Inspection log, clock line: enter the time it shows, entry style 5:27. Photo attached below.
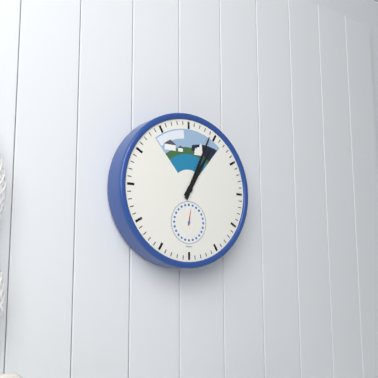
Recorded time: 1:04
